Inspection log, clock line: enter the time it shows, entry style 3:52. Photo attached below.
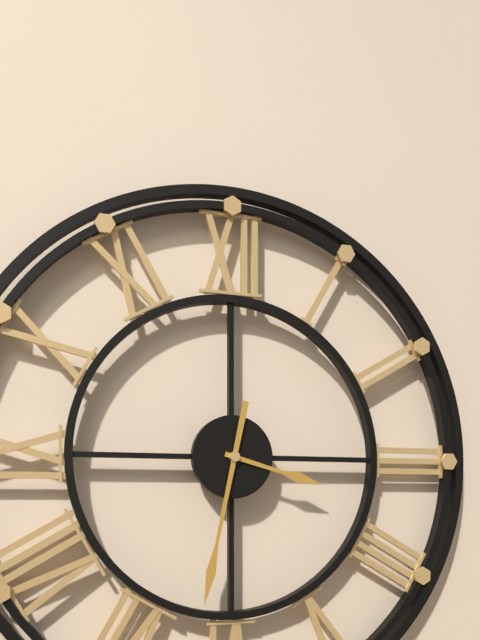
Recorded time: 3:32
